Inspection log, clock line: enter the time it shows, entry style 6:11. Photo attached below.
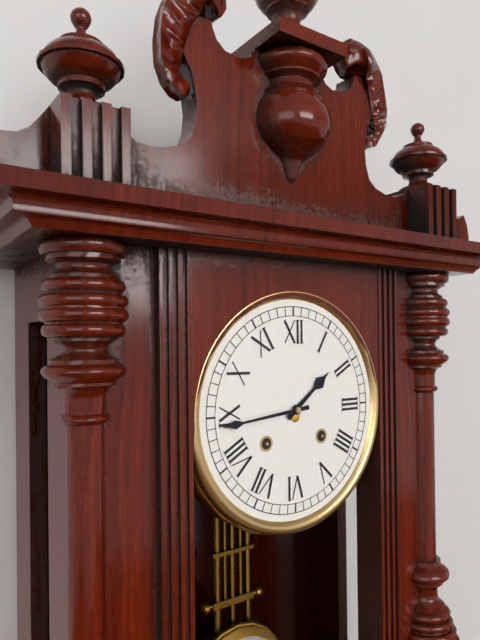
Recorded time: 1:44
